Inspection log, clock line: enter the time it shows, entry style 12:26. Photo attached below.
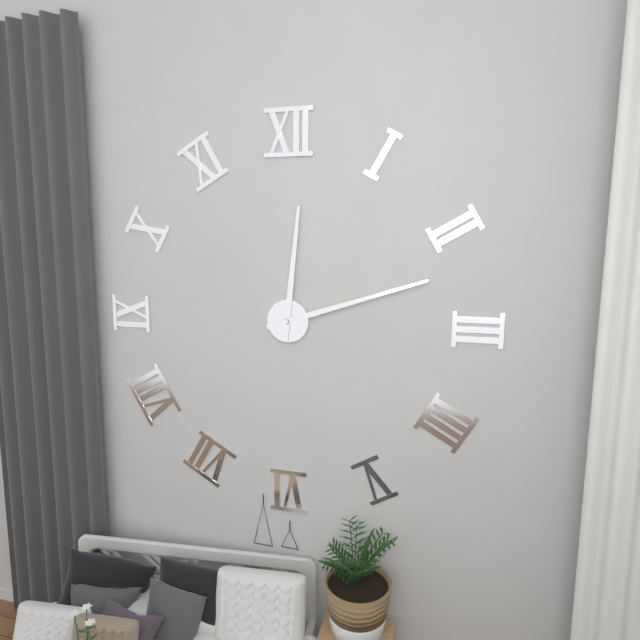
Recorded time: 12:12
